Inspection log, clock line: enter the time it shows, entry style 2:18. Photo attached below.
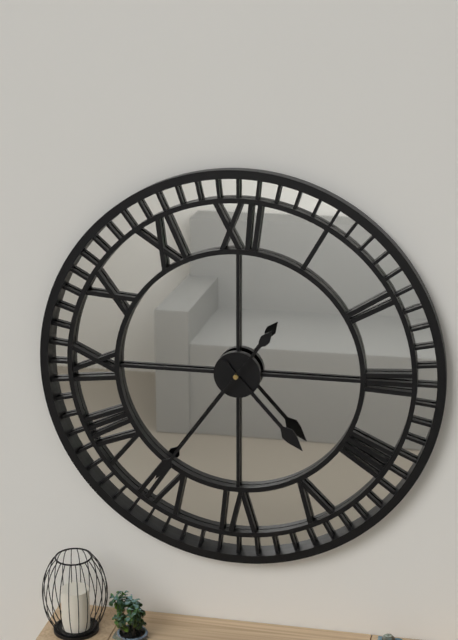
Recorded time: 4:36
